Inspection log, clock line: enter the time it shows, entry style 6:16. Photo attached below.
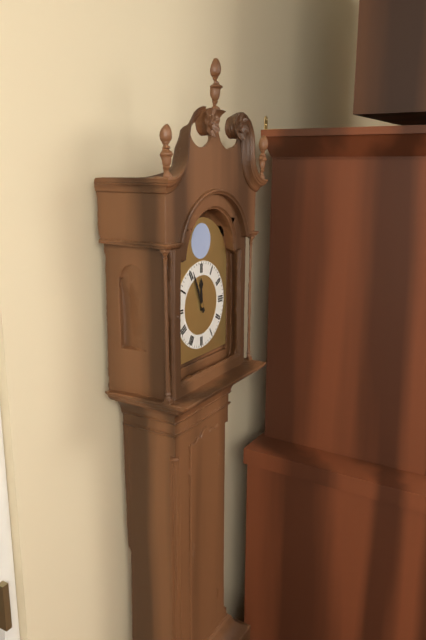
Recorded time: 11:56
